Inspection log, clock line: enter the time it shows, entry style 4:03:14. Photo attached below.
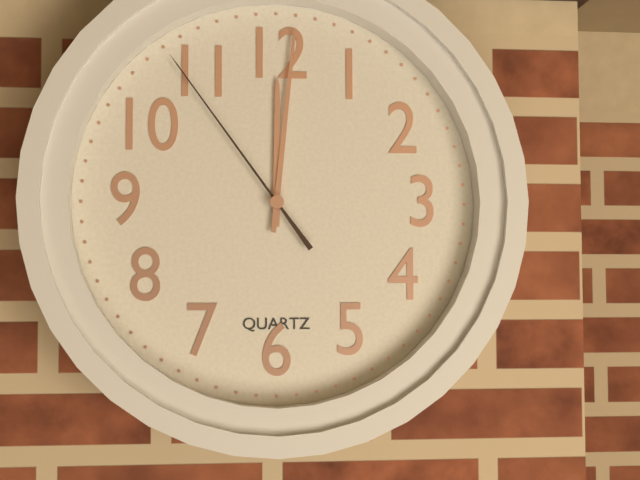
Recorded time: 12:01:54
